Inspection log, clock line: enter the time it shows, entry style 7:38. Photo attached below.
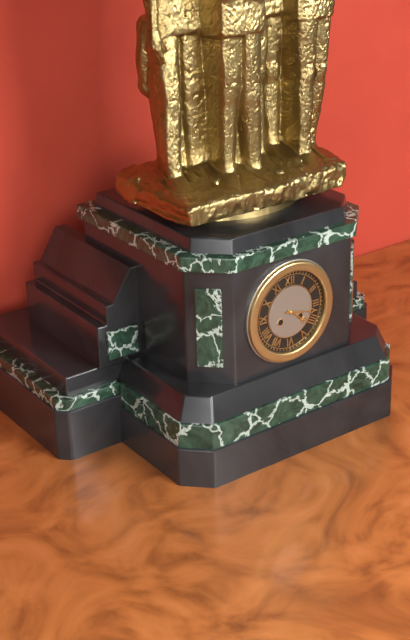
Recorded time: 4:17
